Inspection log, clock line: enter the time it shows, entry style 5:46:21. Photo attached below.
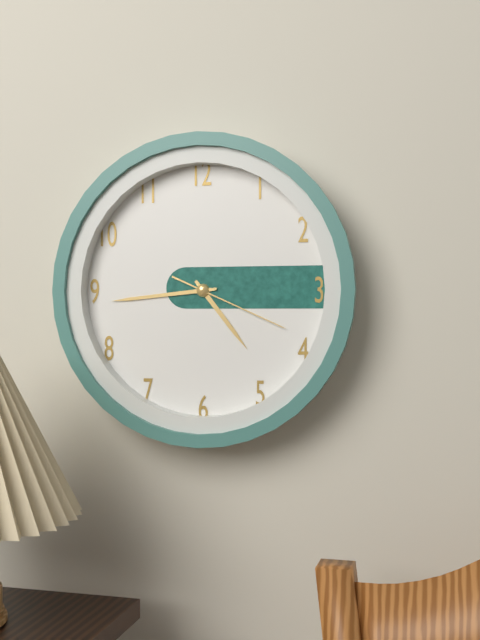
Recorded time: 4:44:19
